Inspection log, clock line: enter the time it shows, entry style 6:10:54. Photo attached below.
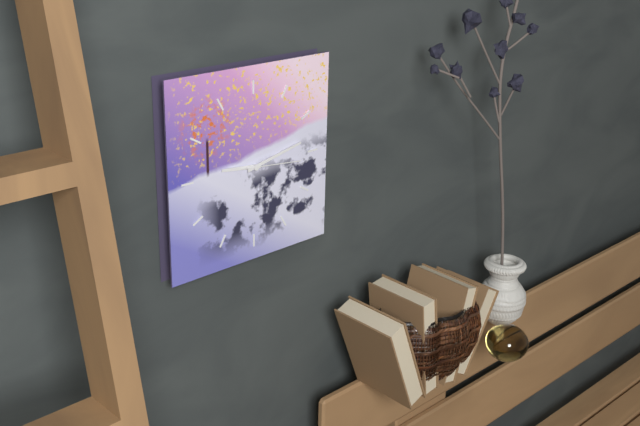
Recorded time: 9:13:16
